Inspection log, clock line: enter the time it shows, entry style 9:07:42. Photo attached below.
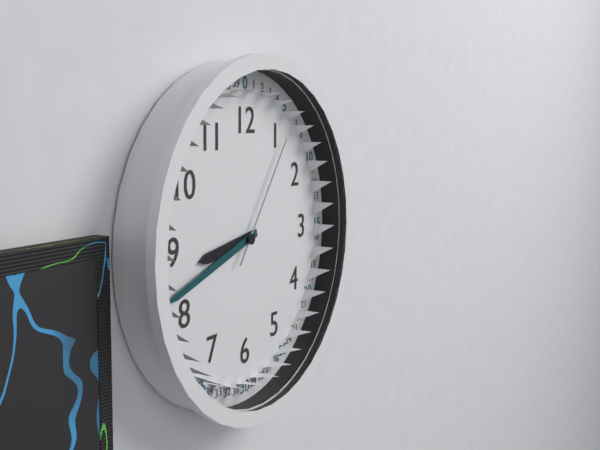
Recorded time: 8:42:06
